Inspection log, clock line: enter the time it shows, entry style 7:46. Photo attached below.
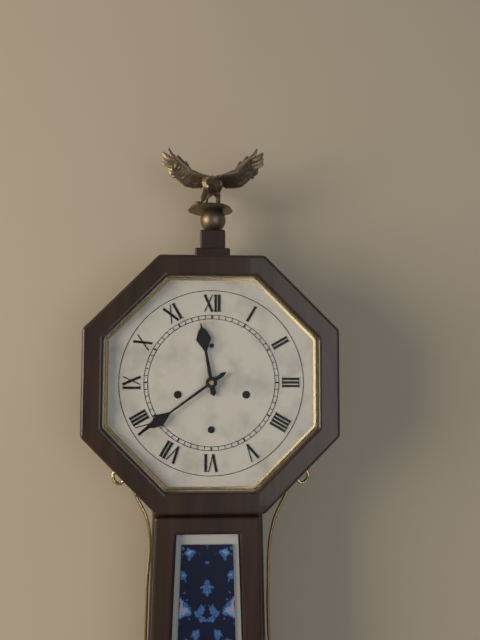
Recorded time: 11:39
